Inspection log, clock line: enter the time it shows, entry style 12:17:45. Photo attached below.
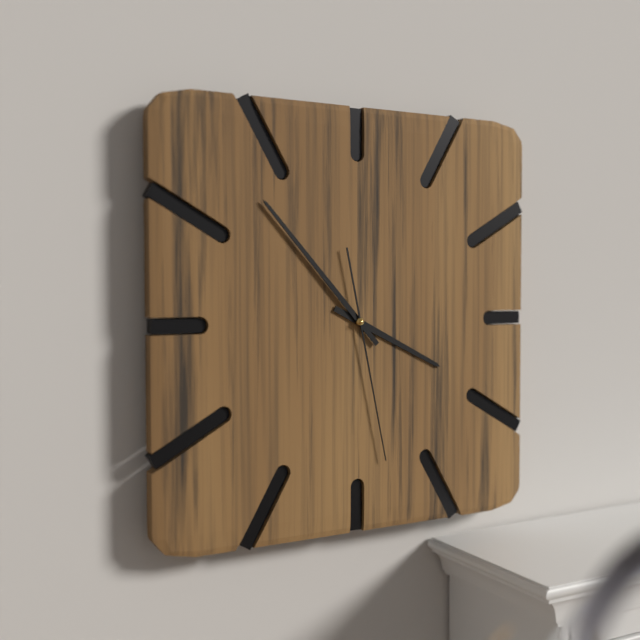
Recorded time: 3:53:28
